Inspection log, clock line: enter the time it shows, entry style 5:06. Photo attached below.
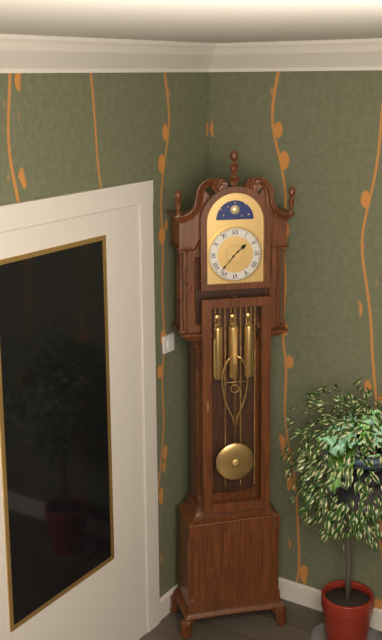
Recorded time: 1:37
